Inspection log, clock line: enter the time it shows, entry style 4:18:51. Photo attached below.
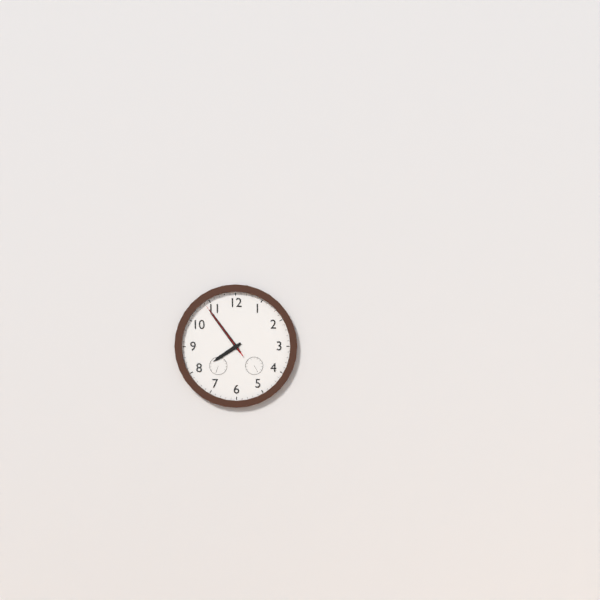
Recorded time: 7:54:54
